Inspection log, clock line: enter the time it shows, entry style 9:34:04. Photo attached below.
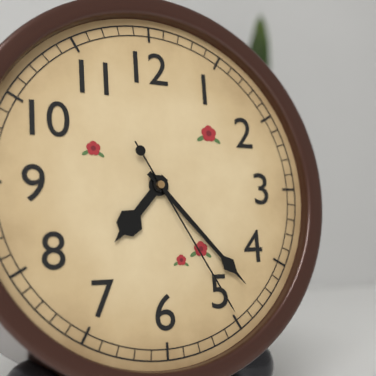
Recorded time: 7:23:25
